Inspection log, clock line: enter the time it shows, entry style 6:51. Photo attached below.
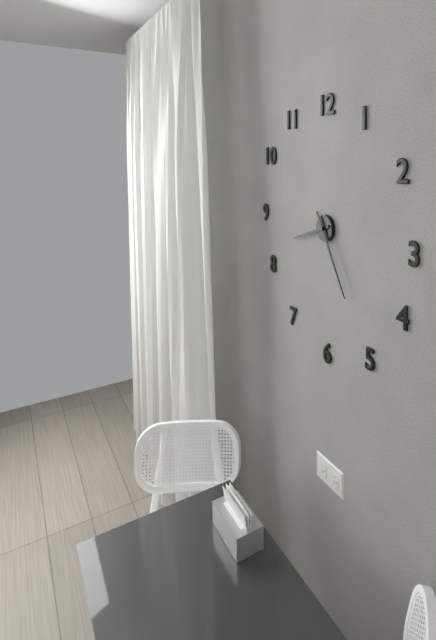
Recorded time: 8:25
